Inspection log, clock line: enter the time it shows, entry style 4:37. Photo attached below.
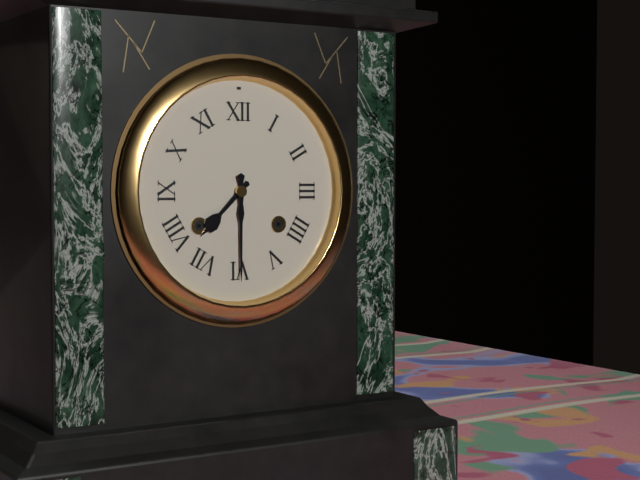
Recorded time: 7:30
